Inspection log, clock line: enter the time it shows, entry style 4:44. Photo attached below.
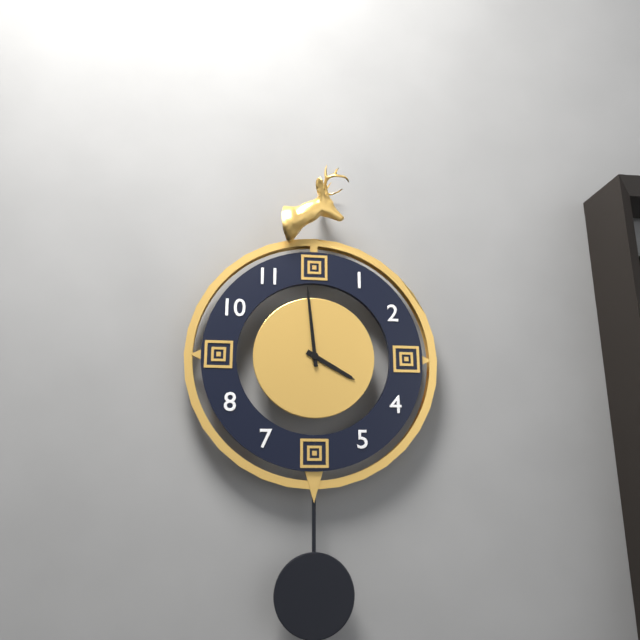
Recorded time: 3:59
